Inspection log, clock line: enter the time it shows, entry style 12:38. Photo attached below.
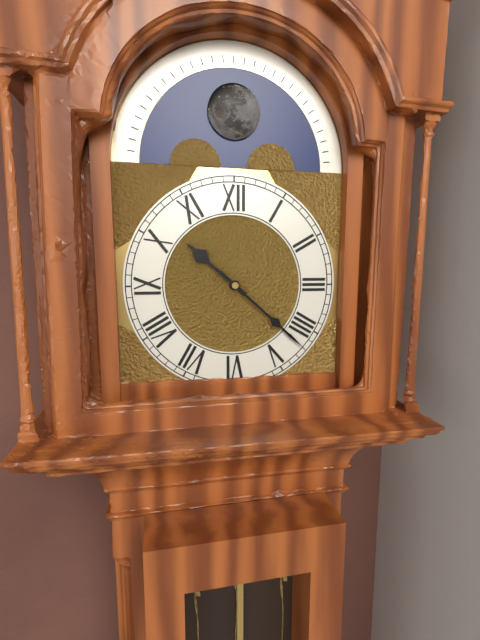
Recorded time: 10:22
